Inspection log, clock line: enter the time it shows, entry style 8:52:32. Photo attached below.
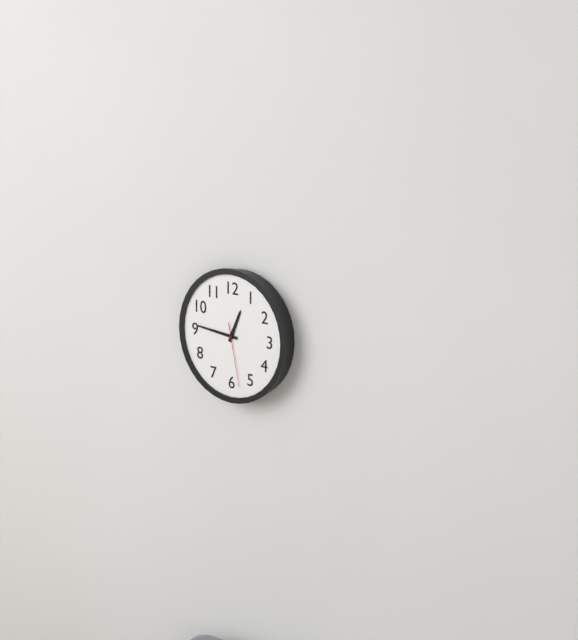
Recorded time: 12:46:28
